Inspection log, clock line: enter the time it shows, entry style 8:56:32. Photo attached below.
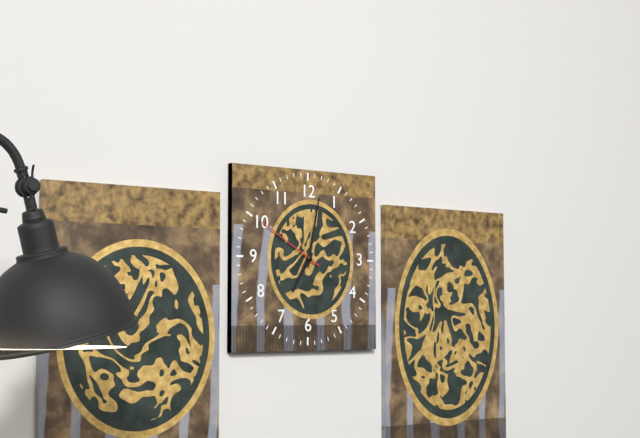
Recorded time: 7:02:50
